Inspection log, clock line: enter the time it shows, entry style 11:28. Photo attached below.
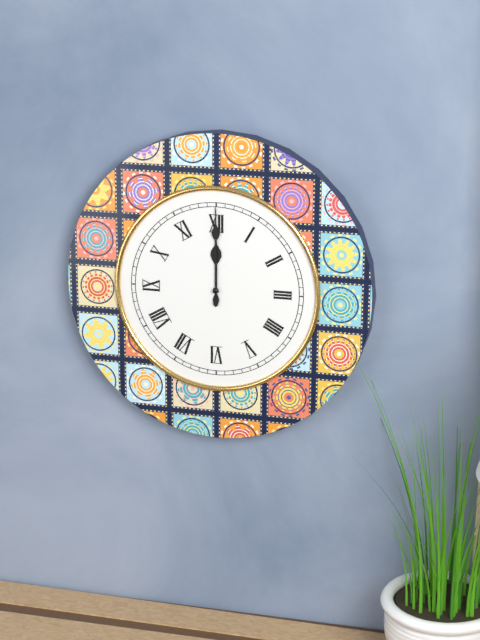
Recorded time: 12:00
